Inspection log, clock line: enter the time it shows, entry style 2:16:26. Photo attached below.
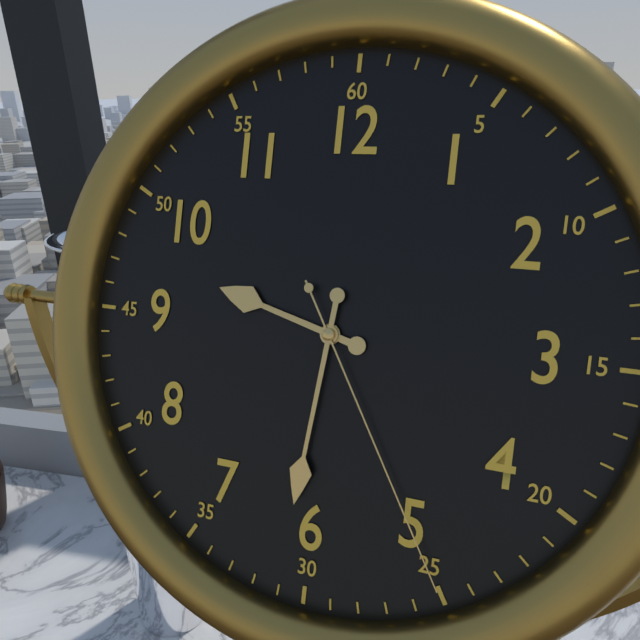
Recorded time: 9:31:25
